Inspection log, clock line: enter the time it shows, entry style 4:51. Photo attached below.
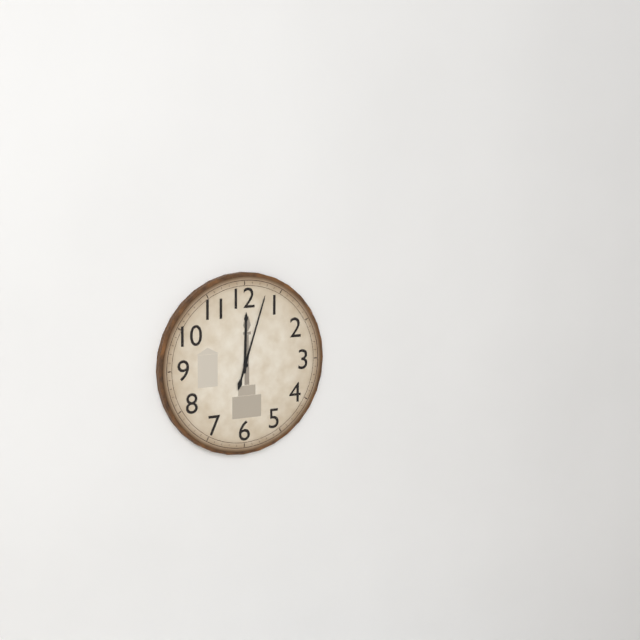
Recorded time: 12:03
